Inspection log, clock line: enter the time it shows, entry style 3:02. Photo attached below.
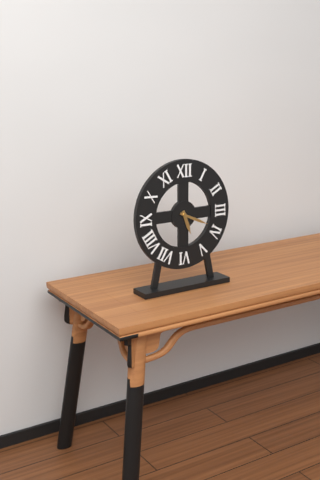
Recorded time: 5:19
